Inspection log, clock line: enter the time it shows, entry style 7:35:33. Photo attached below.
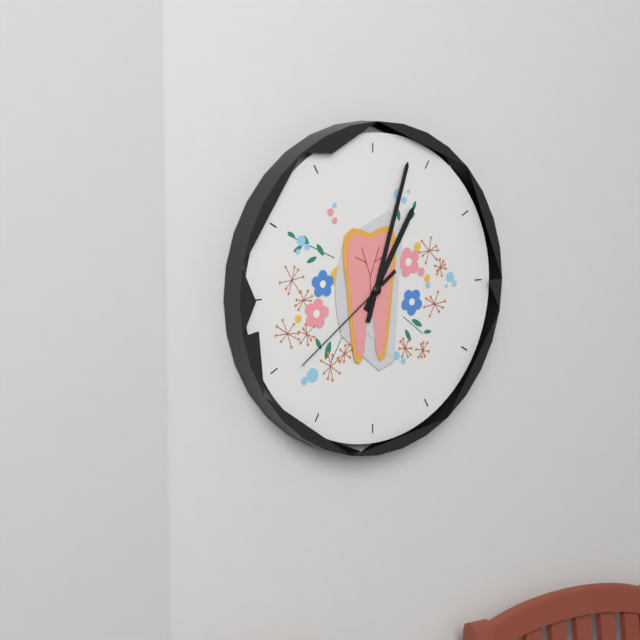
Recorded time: 1:03:39
